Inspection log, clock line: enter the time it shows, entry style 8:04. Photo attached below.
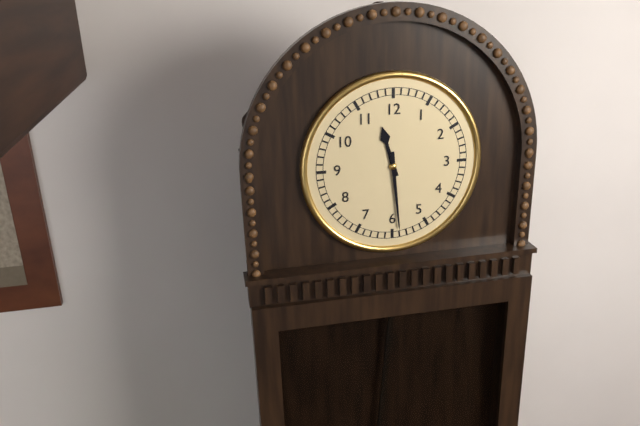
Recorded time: 11:29
